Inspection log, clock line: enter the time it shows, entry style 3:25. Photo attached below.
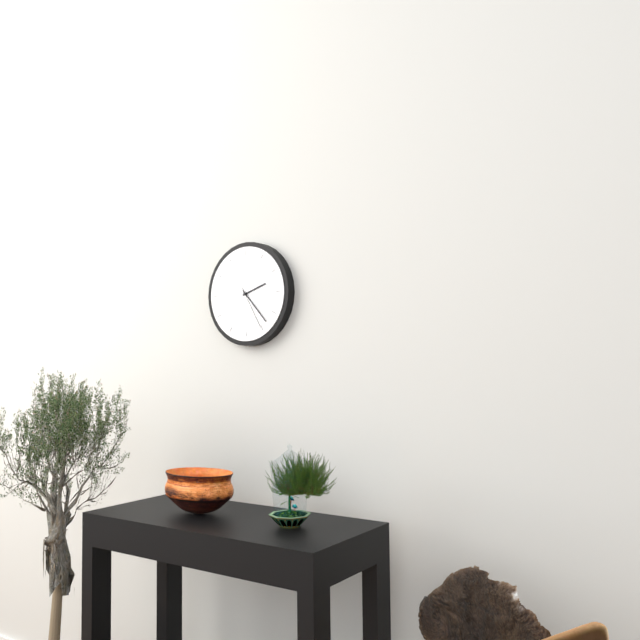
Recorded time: 2:23
